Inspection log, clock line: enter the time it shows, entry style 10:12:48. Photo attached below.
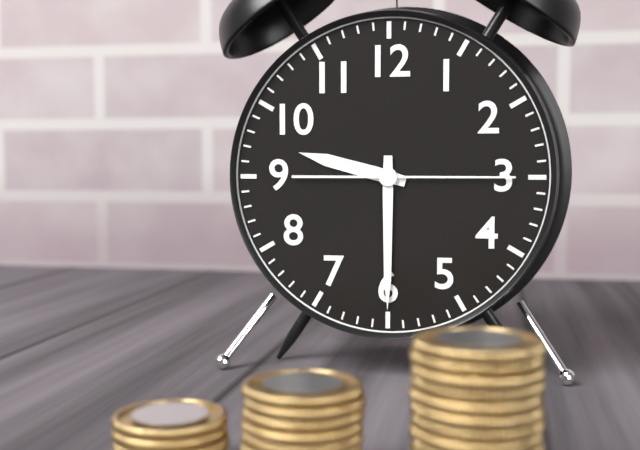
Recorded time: 9:30:15
